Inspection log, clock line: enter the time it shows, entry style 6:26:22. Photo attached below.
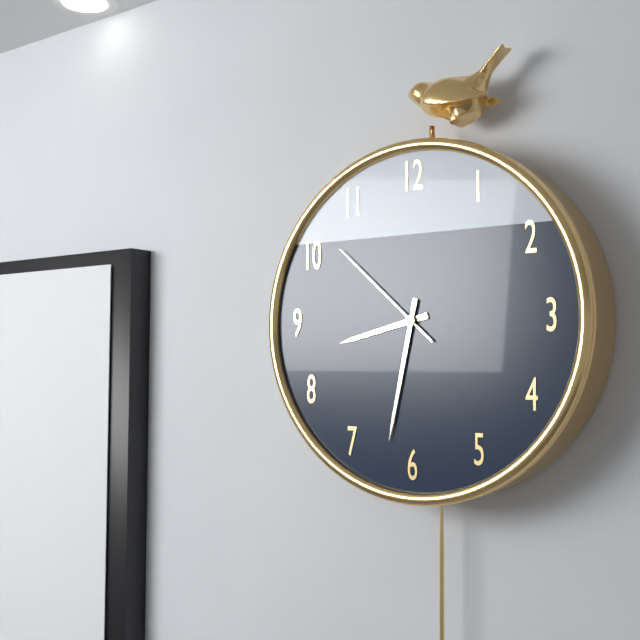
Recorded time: 8:32:52
